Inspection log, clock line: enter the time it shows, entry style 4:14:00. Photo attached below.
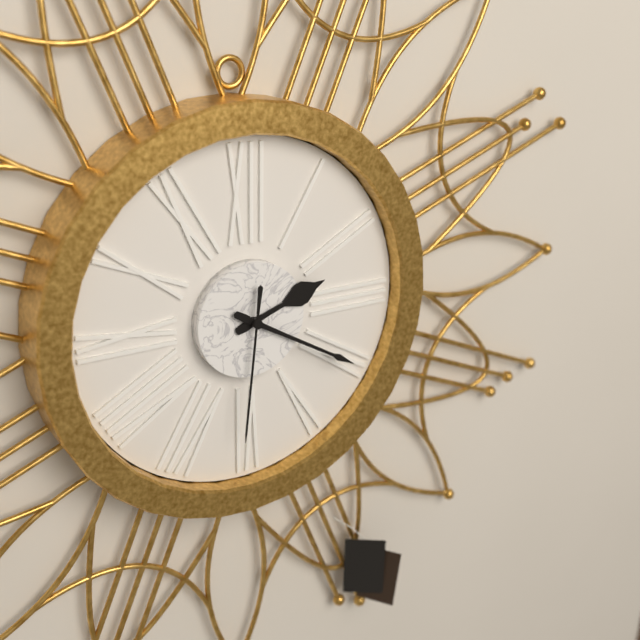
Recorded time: 2:20:31
